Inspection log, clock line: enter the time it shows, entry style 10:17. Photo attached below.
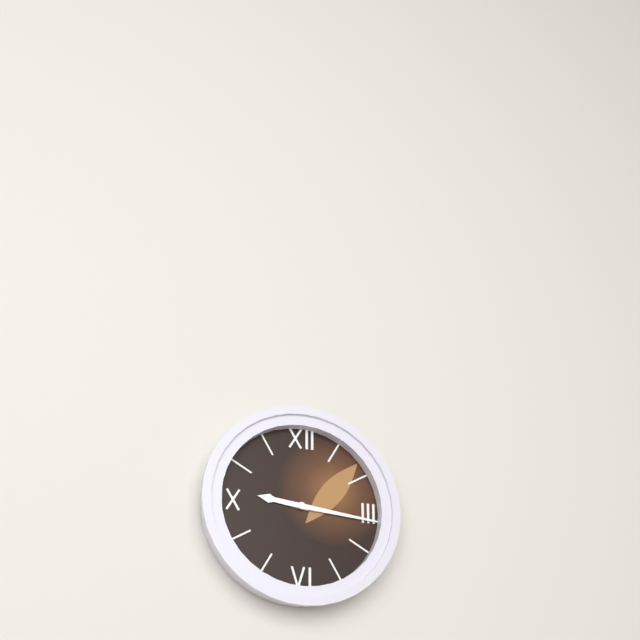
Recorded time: 9:16
